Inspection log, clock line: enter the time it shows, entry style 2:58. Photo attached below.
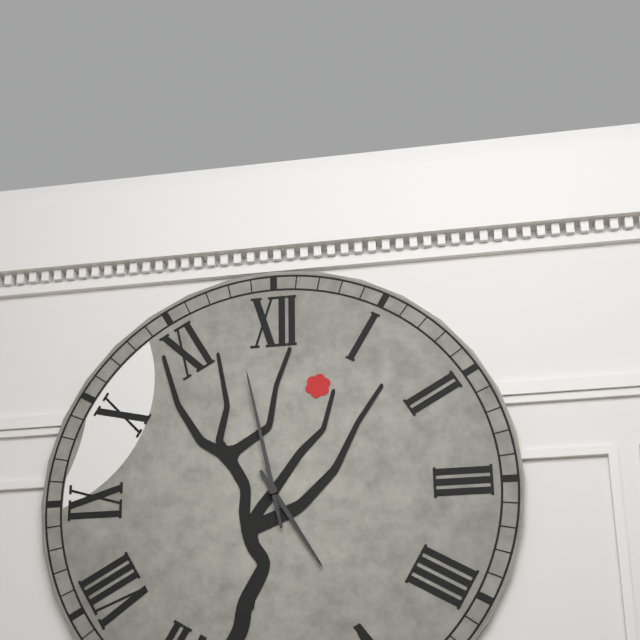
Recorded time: 4:58
